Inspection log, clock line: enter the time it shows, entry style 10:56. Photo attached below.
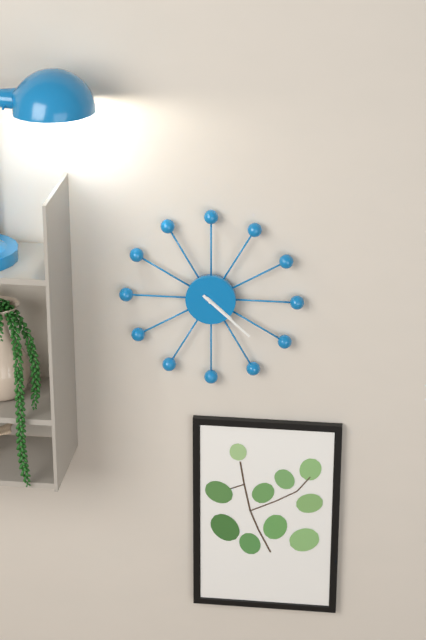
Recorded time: 4:22
